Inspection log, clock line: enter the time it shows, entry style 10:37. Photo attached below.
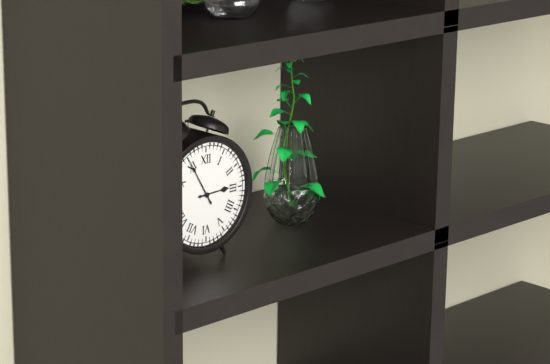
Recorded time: 2:55
